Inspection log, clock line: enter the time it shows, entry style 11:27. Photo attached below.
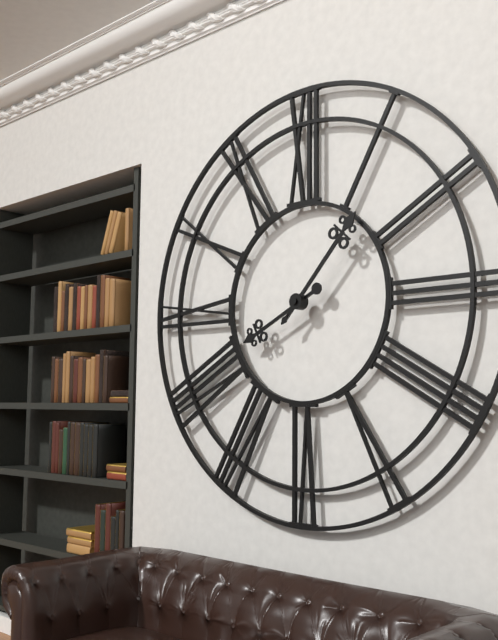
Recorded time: 8:07
